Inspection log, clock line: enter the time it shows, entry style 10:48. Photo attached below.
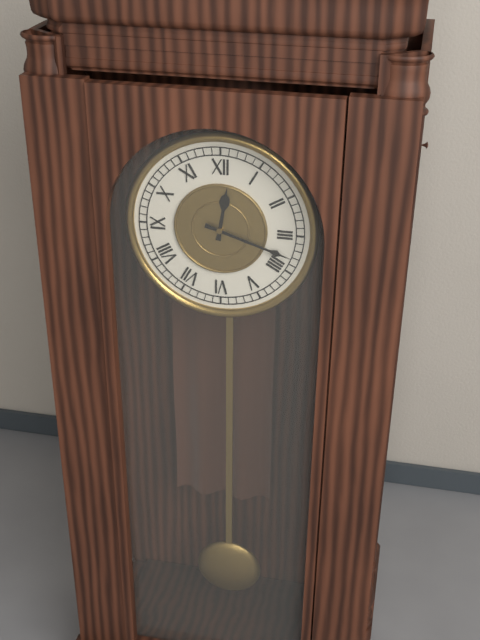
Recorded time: 12:18
